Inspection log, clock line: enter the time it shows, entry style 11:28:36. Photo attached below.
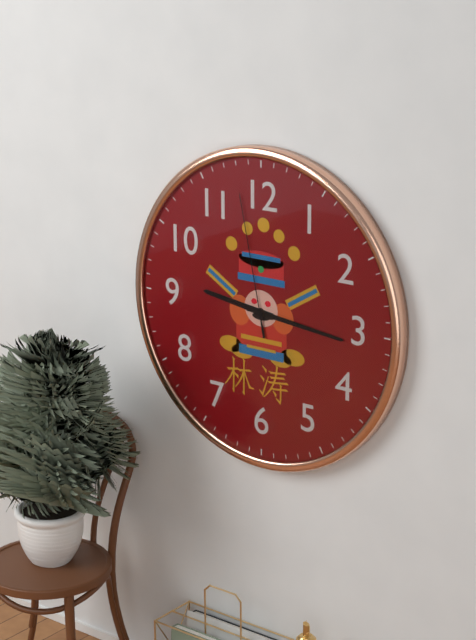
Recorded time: 9:16:58
